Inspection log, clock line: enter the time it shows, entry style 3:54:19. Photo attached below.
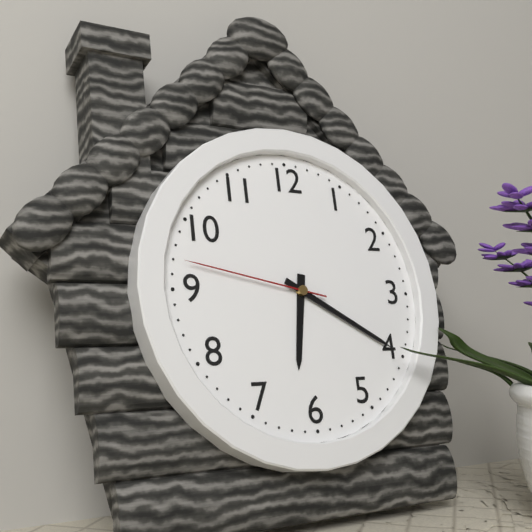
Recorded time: 6:20:47
